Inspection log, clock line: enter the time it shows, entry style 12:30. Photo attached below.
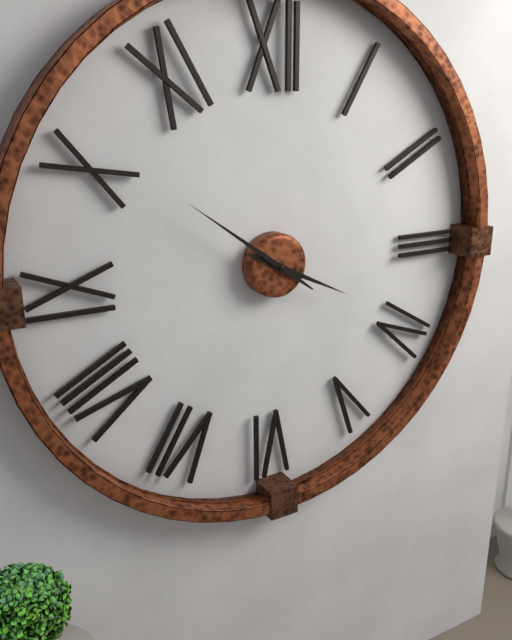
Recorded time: 3:51
